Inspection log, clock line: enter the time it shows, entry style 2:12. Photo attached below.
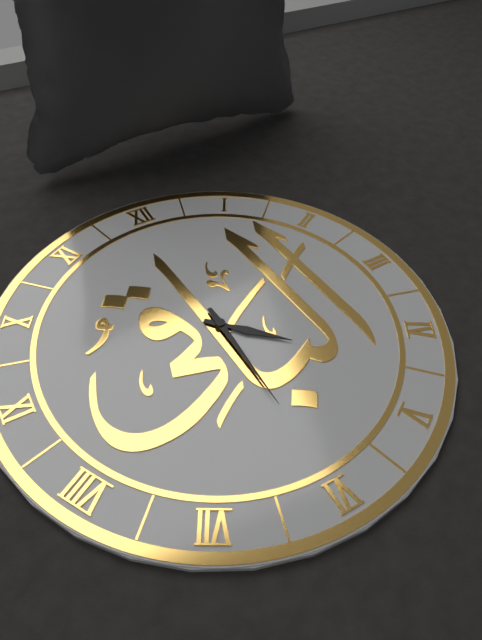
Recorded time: 4:30
